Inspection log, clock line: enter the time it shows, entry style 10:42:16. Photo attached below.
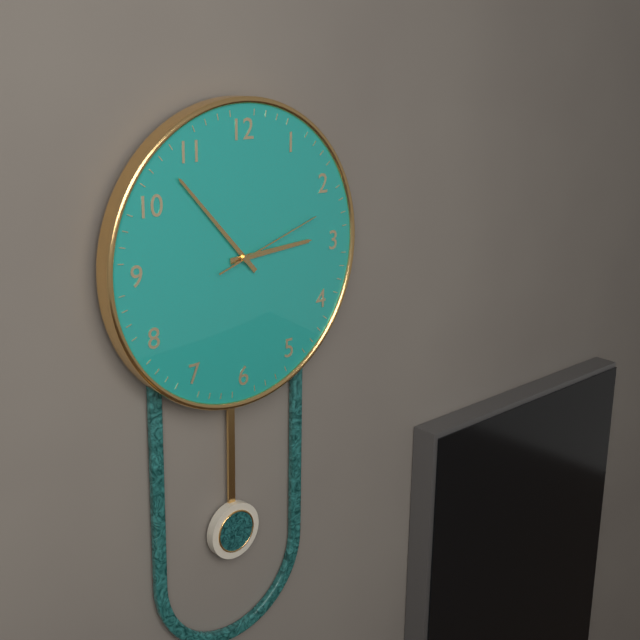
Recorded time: 2:53:12
